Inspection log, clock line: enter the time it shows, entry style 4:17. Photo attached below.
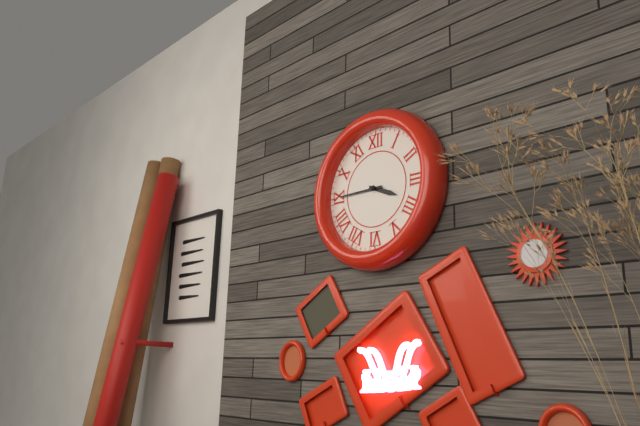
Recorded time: 3:45
